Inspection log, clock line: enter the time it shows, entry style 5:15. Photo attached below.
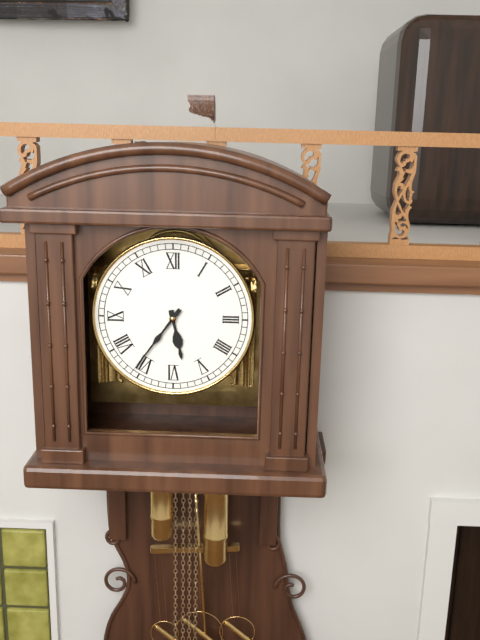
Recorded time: 5:36
